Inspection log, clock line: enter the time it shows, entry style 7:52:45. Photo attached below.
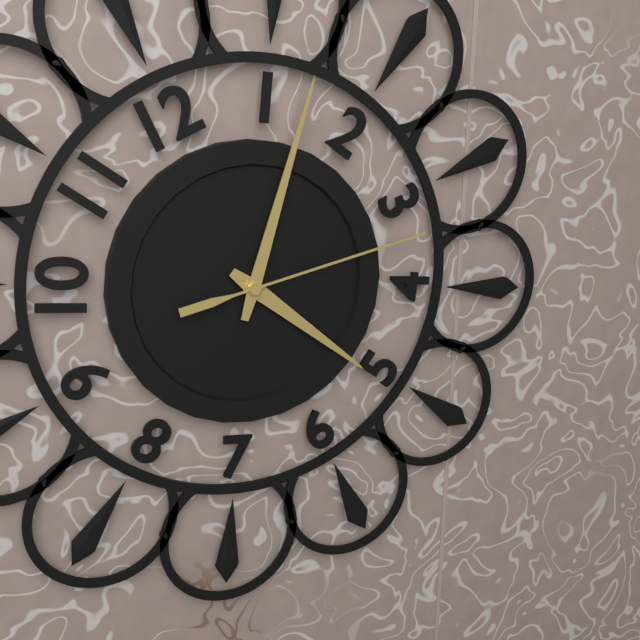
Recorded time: 5:07:17
